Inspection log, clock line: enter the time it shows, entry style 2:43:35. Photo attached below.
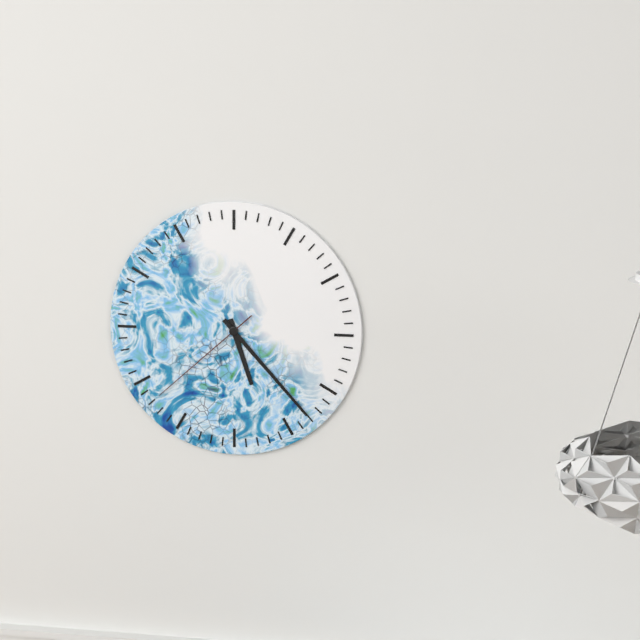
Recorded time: 5:23:38
